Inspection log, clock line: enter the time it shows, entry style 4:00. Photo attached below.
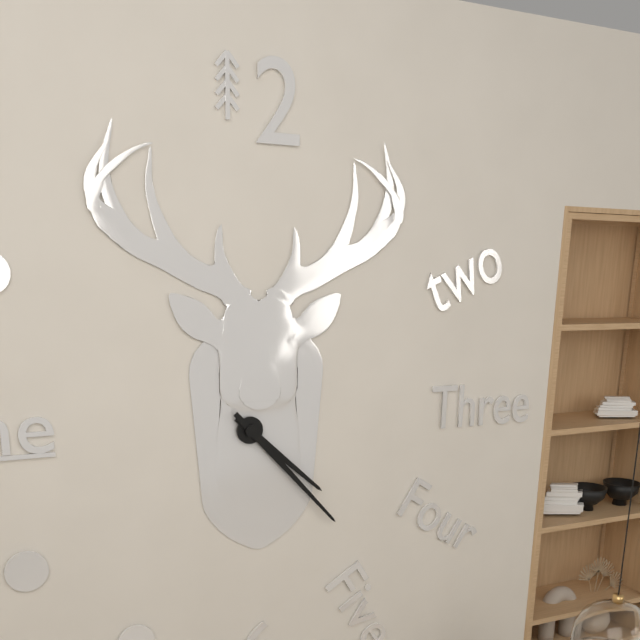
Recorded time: 4:23
